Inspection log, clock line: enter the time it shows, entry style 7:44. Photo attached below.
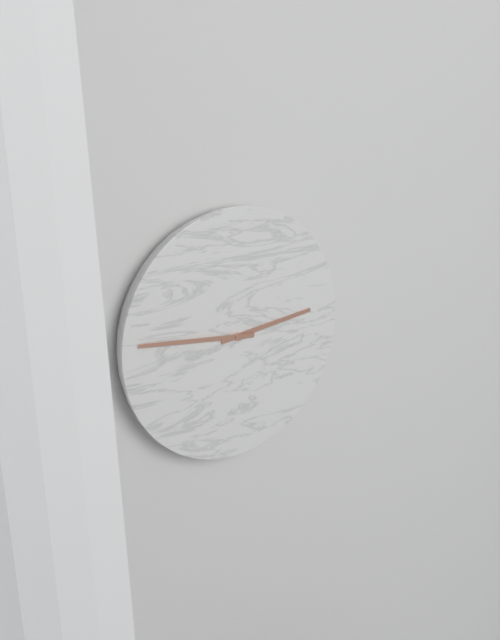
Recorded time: 2:46
